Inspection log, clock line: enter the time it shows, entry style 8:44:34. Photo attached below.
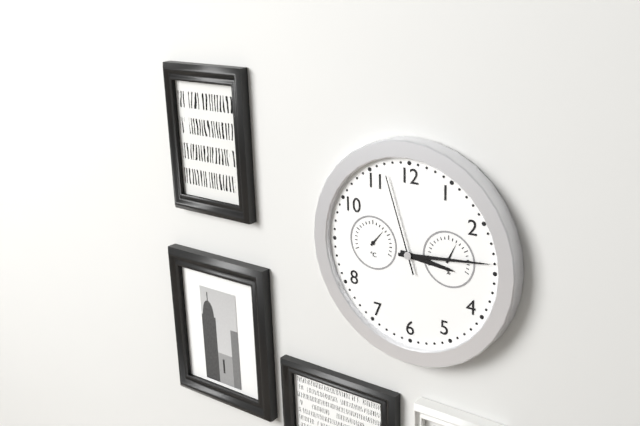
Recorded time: 3:14:57
